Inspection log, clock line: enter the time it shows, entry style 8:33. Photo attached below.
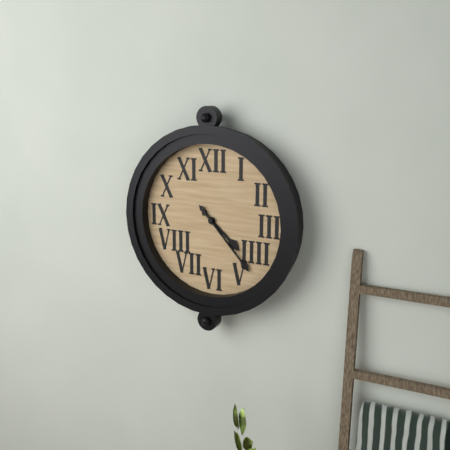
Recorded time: 4:23
